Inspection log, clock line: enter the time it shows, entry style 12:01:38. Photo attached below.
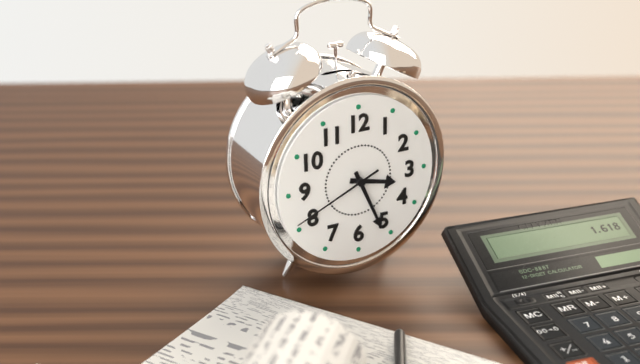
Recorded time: 3:26:41
